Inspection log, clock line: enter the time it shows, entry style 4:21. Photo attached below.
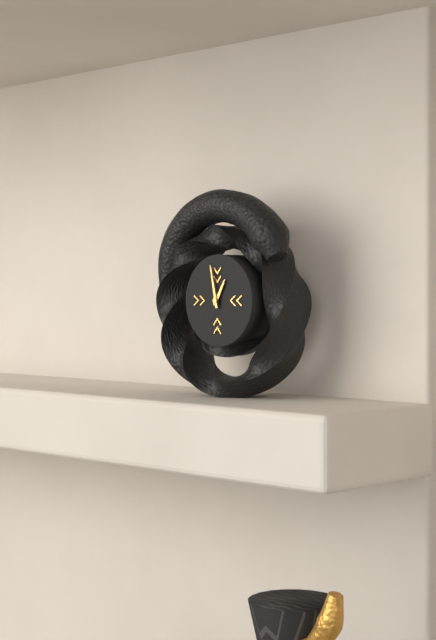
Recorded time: 12:58
